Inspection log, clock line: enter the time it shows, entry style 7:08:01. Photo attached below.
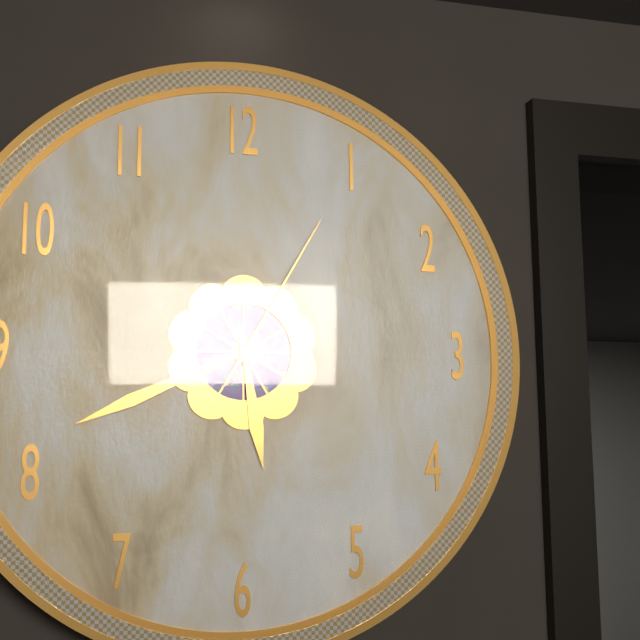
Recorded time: 5:41:05
